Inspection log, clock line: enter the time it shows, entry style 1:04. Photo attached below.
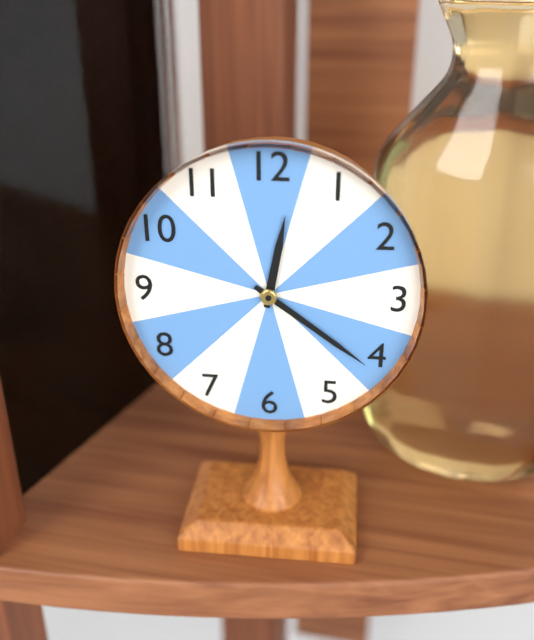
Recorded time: 12:21
